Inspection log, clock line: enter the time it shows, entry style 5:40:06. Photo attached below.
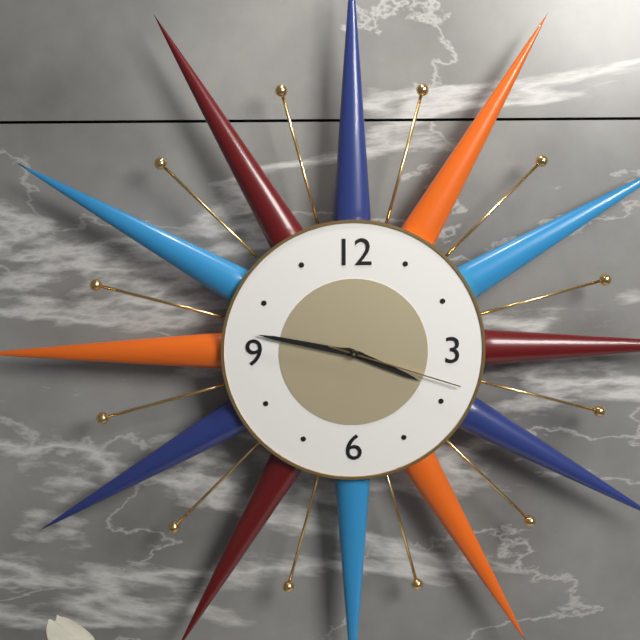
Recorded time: 3:47:18
